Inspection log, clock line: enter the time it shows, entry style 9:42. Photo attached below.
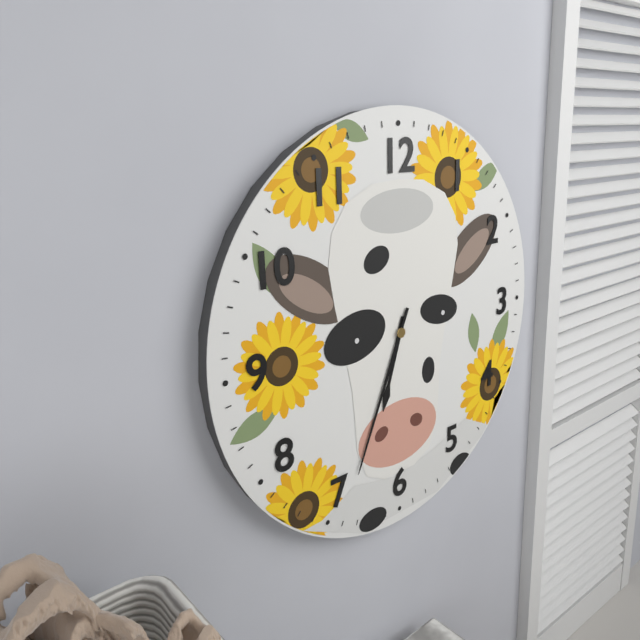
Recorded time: 6:34
